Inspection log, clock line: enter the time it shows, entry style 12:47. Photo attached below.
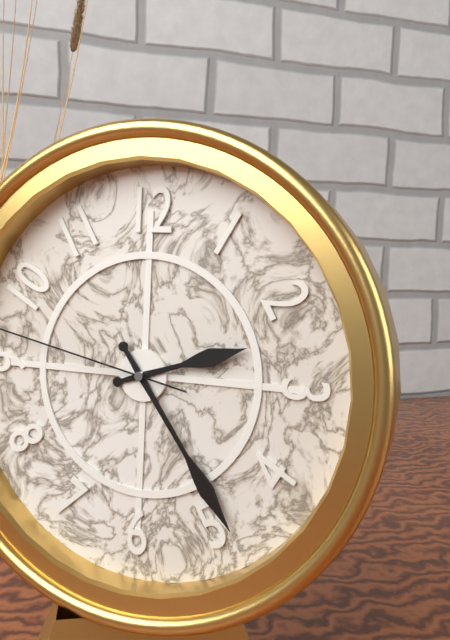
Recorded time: 2:24
